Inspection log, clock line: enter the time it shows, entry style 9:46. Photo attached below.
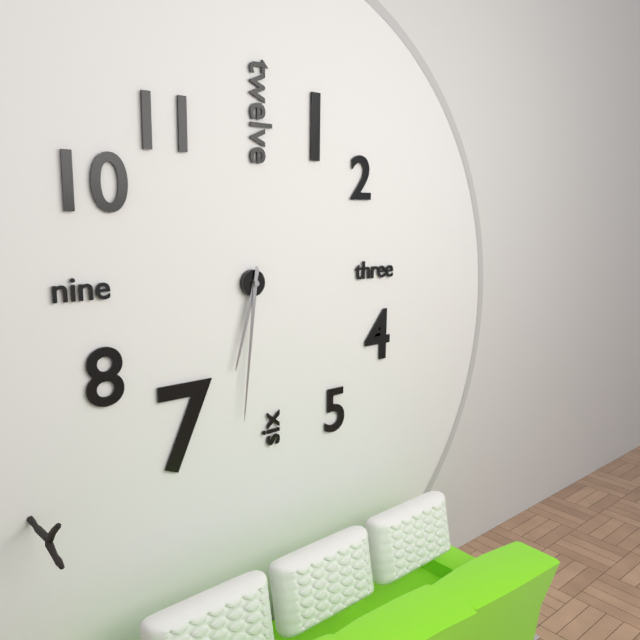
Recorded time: 6:31
